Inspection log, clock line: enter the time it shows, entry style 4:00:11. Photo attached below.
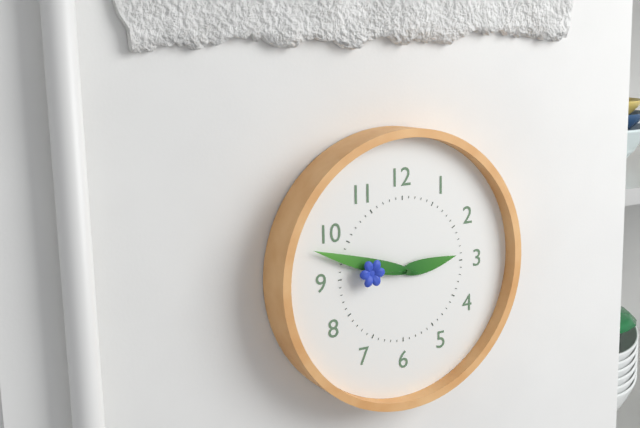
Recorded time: 2:48:46
